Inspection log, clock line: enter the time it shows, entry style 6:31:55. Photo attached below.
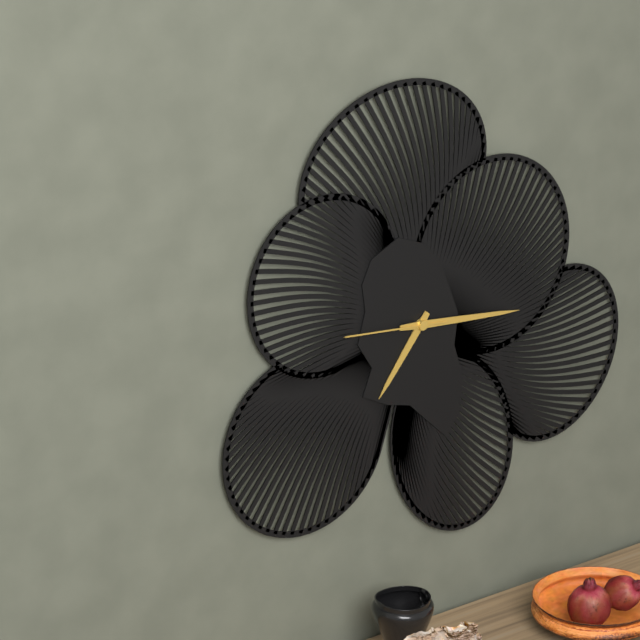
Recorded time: 7:16:46
